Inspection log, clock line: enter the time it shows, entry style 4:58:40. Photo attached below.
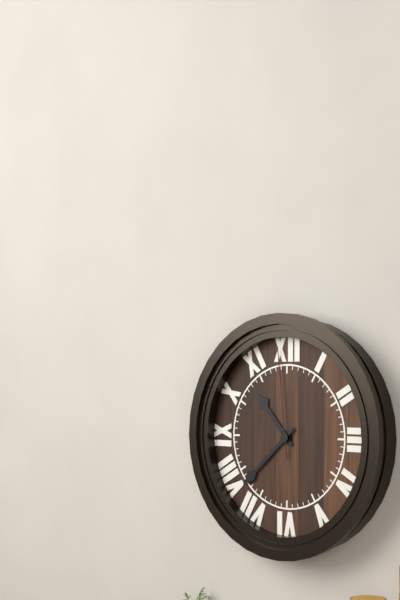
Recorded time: 10:38:59
